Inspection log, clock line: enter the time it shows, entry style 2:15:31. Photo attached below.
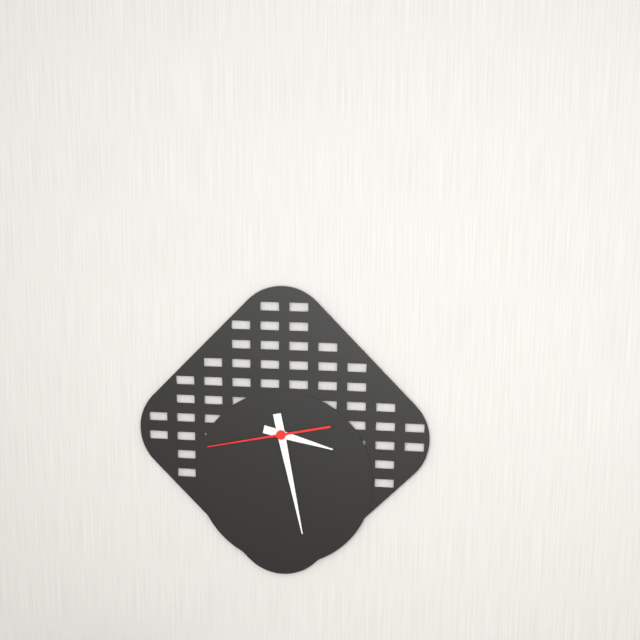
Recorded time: 3:28:43
